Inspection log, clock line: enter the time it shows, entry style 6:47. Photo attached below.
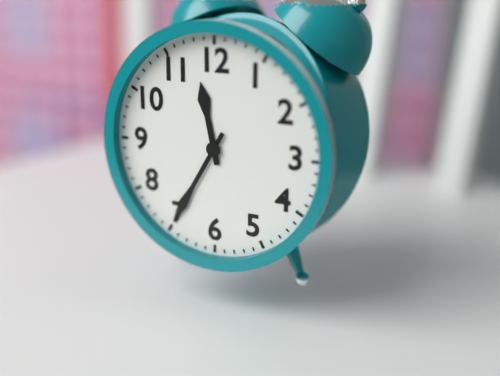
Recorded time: 11:35
